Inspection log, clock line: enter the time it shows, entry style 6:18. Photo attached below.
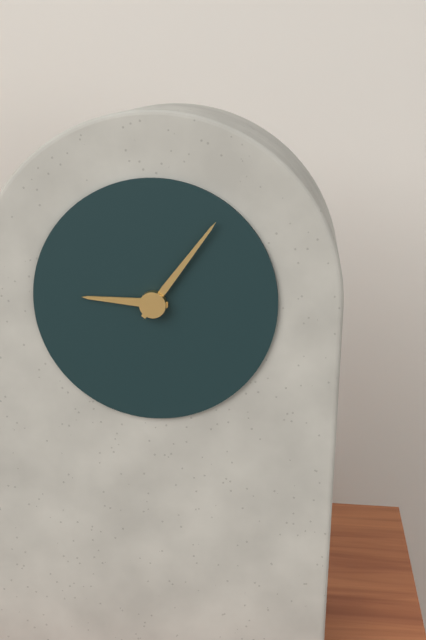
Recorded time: 9:06
